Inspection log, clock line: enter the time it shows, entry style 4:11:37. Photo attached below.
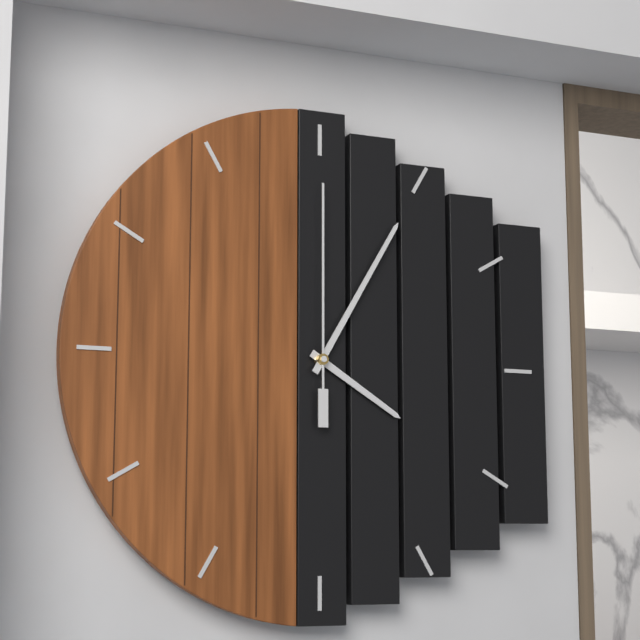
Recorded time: 4:05:00
